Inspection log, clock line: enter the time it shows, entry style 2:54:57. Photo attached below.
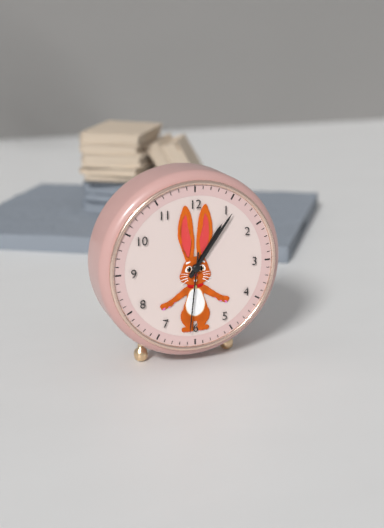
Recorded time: 1:06:31
